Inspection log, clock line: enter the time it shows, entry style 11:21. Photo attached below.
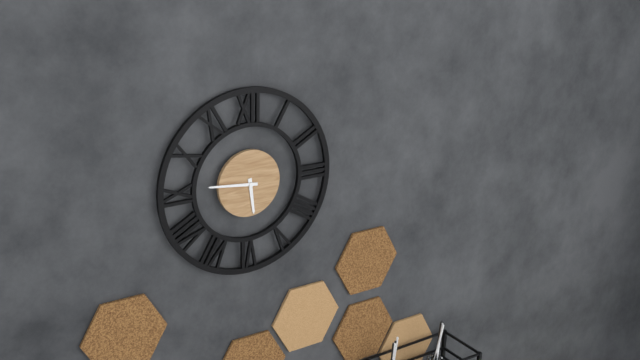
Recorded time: 5:46
